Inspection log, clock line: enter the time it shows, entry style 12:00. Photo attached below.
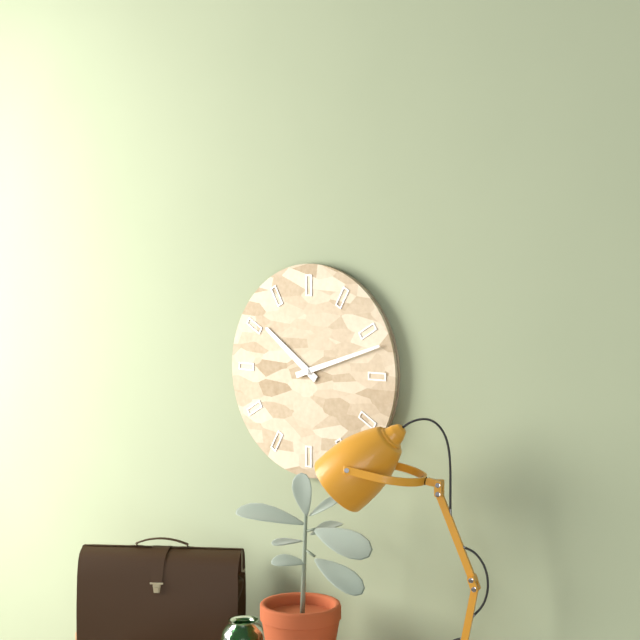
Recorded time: 10:12
